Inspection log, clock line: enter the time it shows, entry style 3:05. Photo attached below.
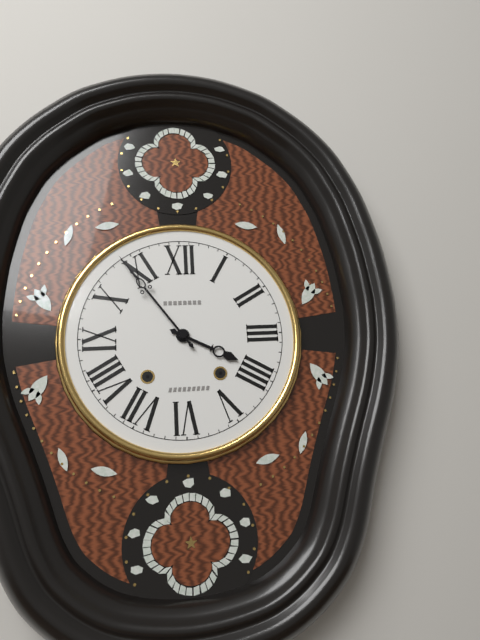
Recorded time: 3:54
